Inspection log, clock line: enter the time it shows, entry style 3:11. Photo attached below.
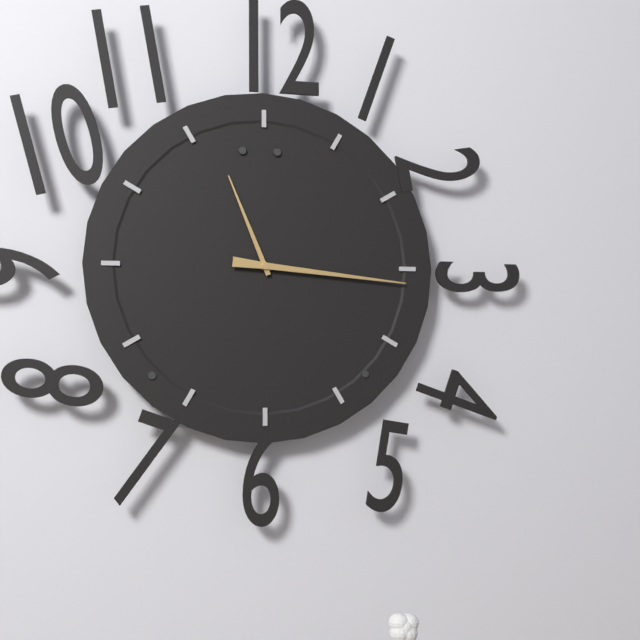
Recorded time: 11:16
